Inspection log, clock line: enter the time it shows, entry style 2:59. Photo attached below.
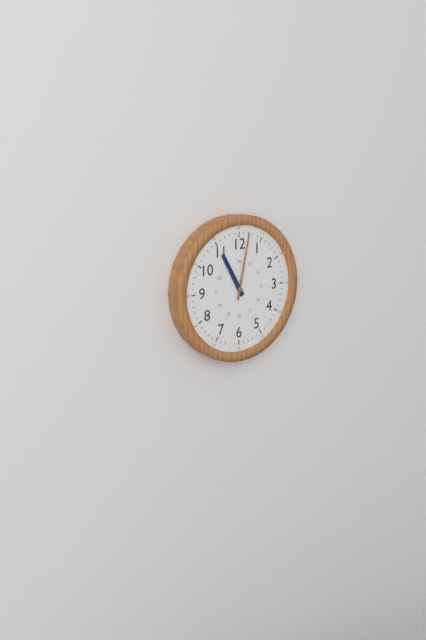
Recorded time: 11:02
